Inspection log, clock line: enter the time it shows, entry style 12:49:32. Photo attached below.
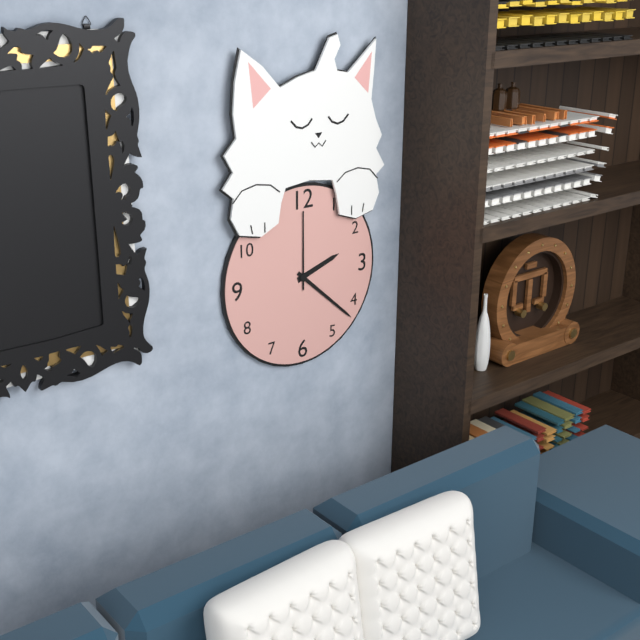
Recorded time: 2:22:00
